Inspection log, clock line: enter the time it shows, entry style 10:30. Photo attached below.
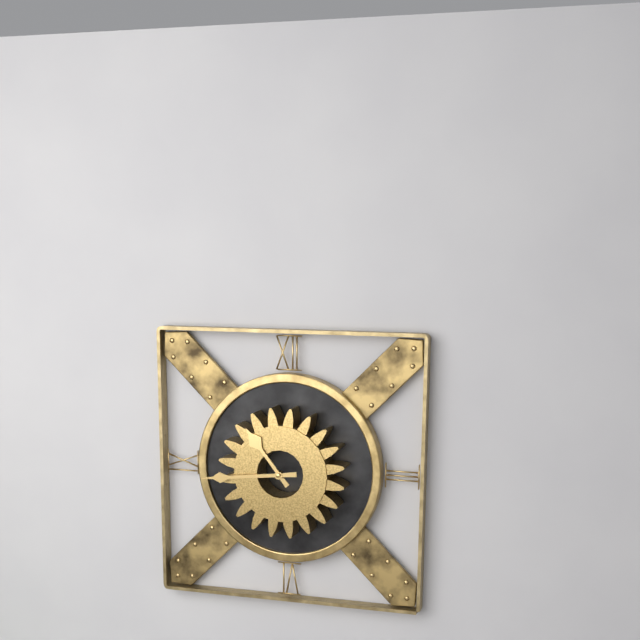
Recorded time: 10:44
